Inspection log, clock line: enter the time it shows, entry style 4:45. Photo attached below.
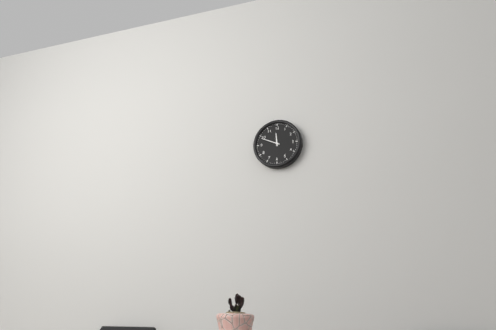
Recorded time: 11:49
